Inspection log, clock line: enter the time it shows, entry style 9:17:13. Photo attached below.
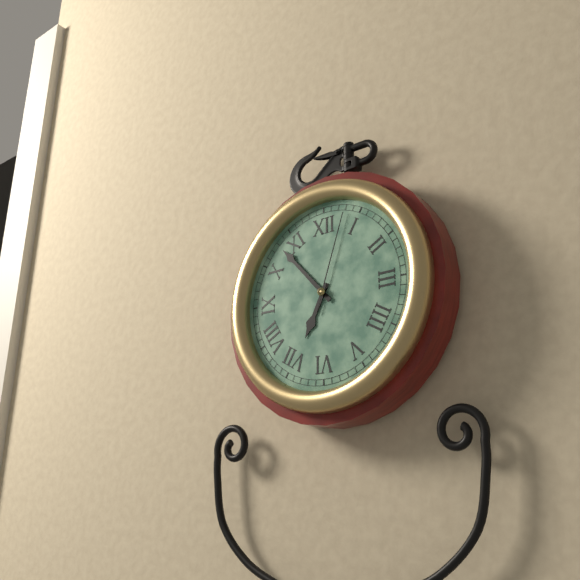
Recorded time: 6:53:03
